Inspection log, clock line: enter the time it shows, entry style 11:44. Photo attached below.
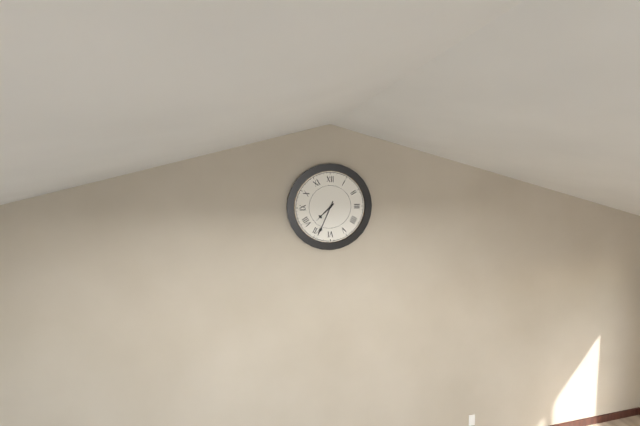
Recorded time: 7:34
